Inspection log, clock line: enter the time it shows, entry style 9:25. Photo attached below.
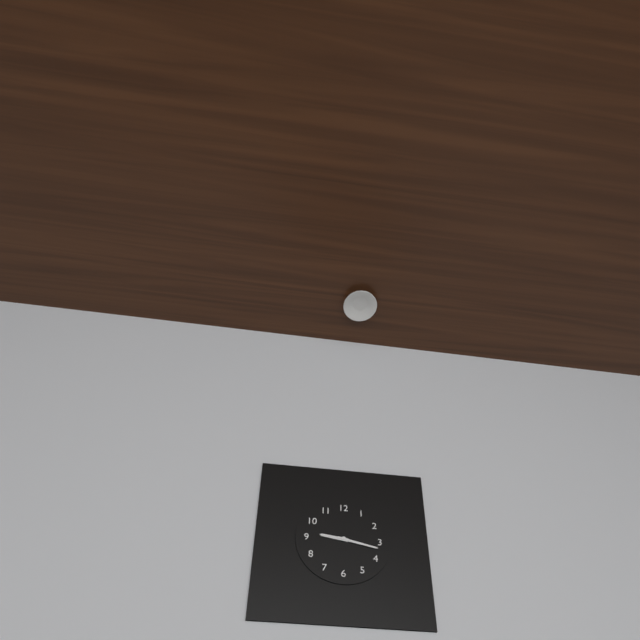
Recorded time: 9:17
